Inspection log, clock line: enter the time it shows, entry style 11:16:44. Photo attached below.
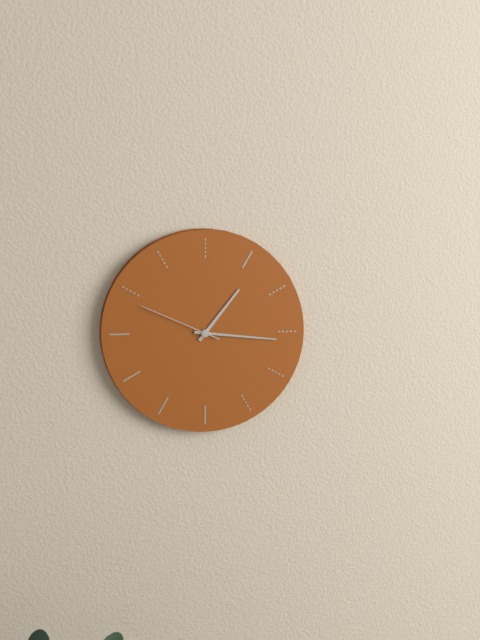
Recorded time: 1:16:49
